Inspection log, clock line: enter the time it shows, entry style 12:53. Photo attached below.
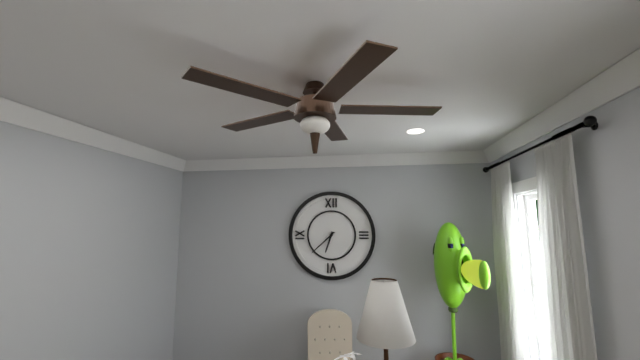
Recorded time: 6:38
